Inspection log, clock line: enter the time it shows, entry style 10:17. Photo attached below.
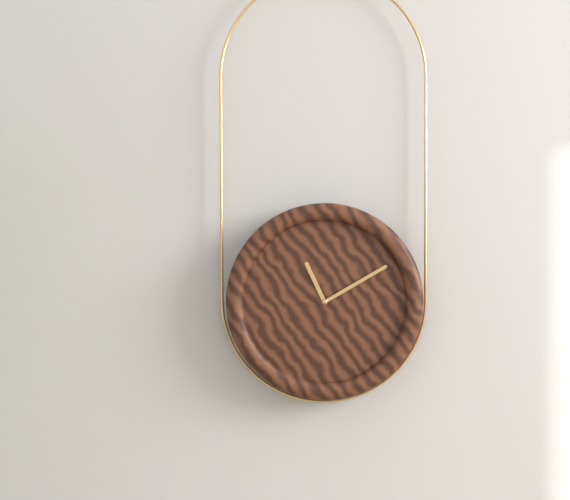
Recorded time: 11:10
